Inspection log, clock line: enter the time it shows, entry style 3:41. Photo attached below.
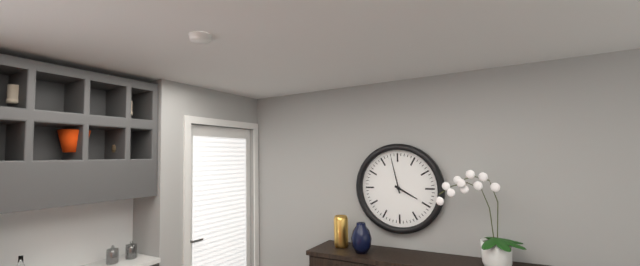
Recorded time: 3:58
